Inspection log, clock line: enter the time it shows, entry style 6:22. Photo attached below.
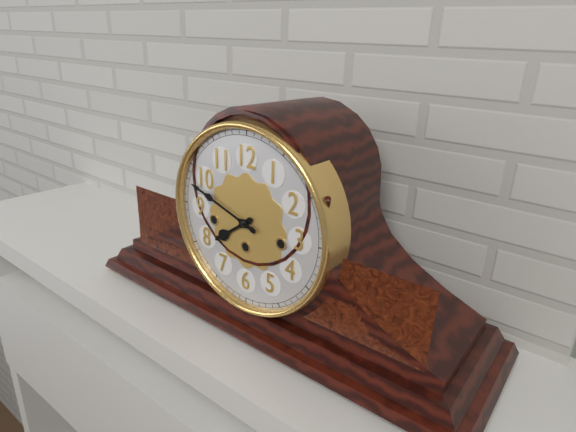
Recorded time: 7:48
